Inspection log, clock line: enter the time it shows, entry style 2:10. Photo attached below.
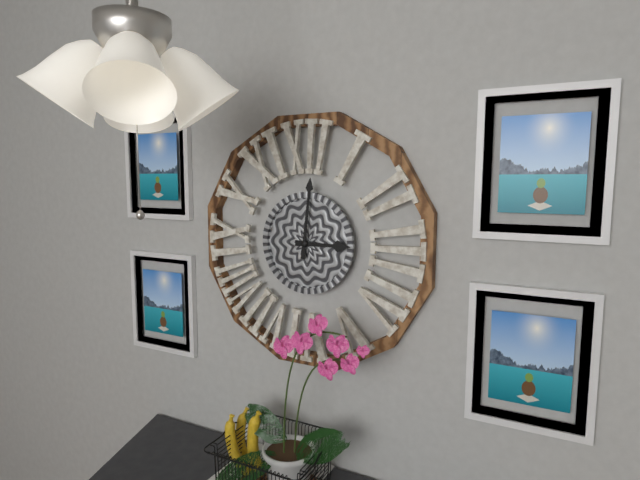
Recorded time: 3:01
